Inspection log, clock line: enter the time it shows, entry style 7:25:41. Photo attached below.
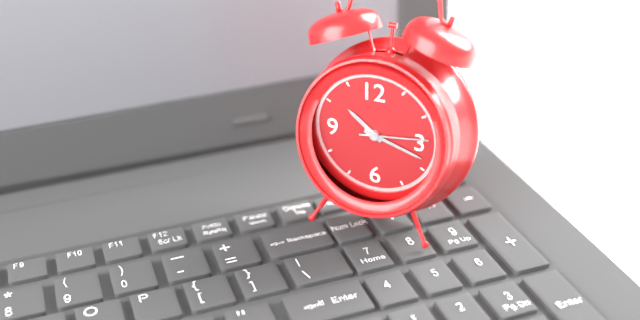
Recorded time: 10:18:14
